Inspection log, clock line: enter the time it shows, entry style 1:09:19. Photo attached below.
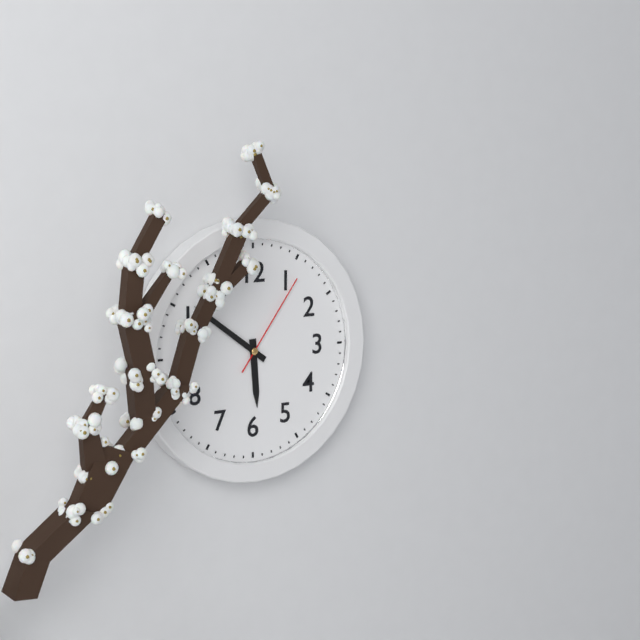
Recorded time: 5:51:06
